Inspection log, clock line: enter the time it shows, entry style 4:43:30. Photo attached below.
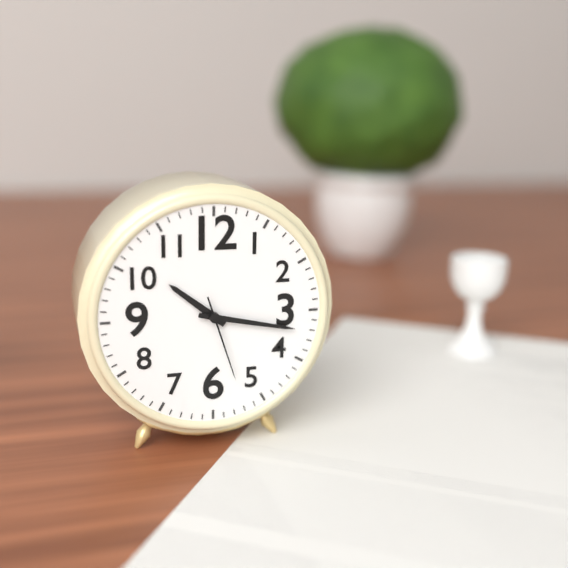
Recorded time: 10:17:27
